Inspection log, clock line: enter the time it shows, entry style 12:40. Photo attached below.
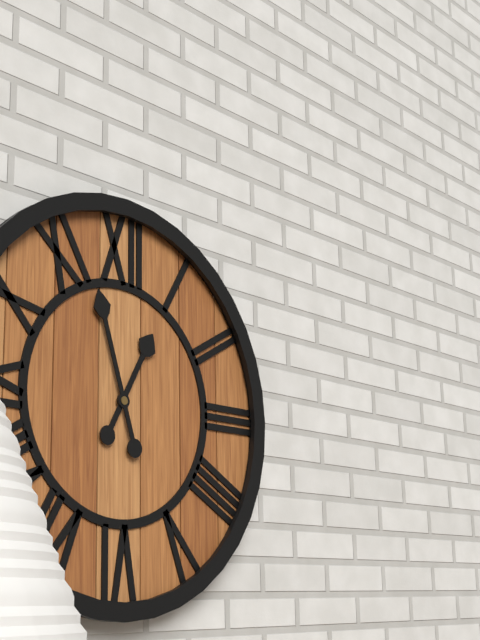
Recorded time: 12:57
